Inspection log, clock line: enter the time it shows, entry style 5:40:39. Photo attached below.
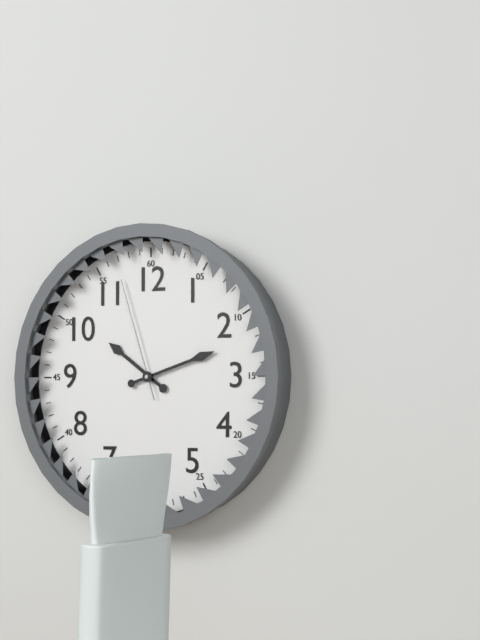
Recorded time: 10:12:57
